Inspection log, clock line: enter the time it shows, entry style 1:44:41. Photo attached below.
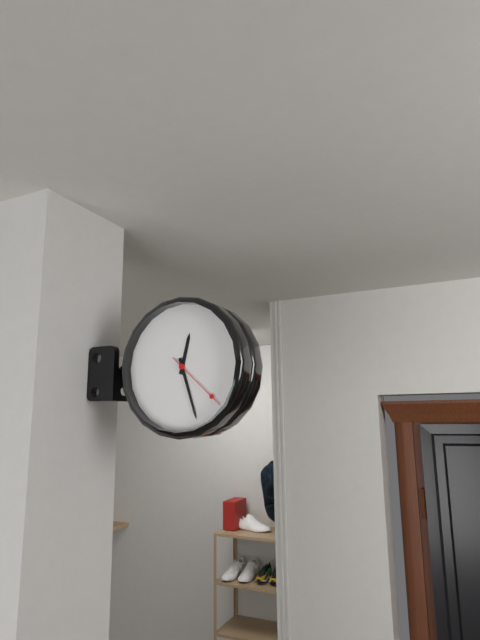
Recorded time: 12:27:22
